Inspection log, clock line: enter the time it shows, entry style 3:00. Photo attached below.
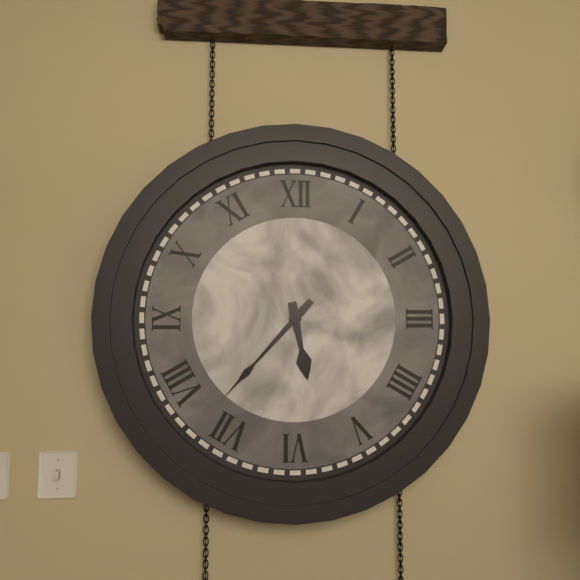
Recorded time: 5:37
